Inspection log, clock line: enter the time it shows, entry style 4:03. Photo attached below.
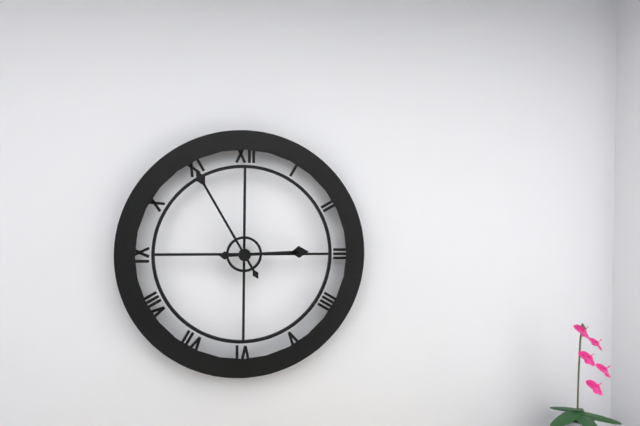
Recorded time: 2:55
